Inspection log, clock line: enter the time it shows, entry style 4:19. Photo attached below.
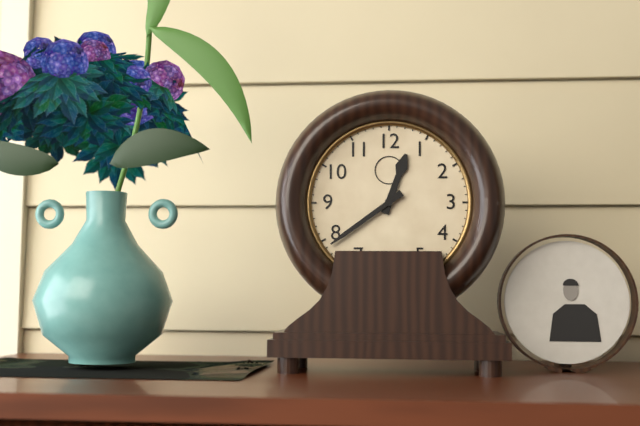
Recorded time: 12:39
